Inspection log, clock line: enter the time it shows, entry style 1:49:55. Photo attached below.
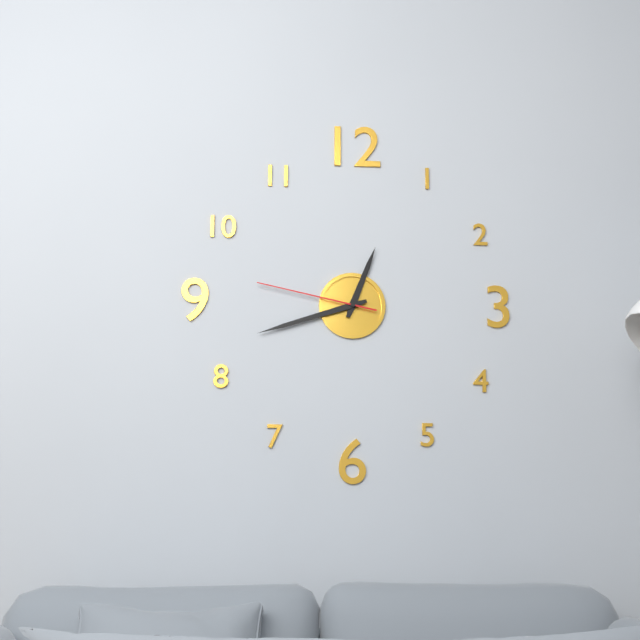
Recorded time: 12:42:47
